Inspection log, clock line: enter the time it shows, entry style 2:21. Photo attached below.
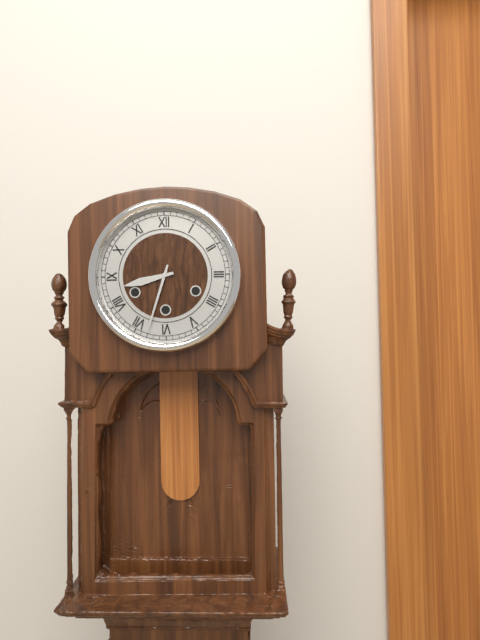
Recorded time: 8:33
